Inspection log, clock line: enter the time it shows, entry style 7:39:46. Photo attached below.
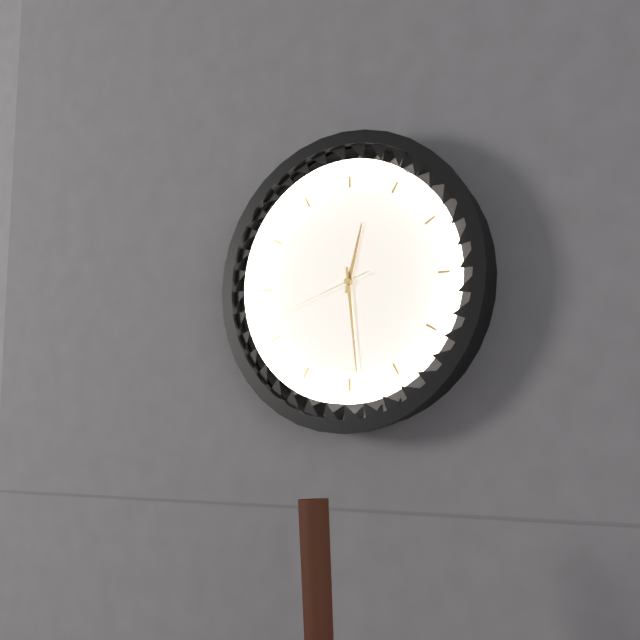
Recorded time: 12:29:42
